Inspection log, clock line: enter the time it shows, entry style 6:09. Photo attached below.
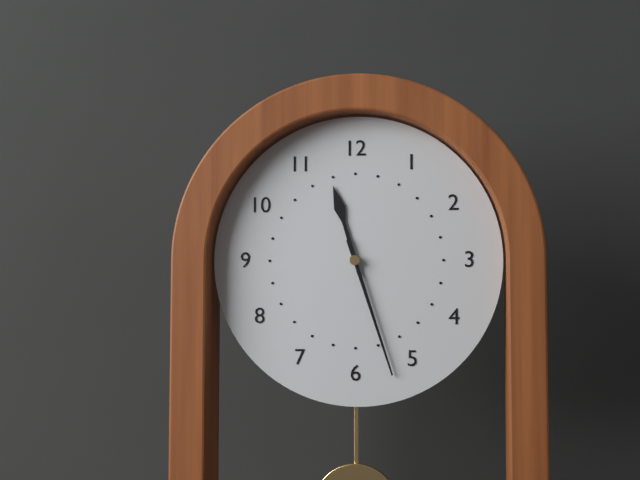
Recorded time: 11:27
